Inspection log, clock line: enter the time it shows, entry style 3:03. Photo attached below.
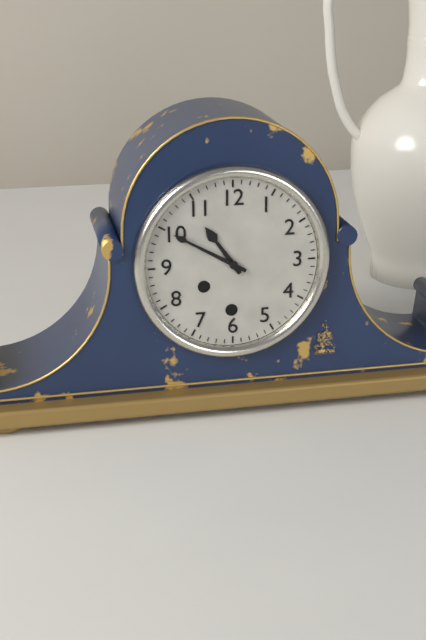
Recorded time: 10:50
